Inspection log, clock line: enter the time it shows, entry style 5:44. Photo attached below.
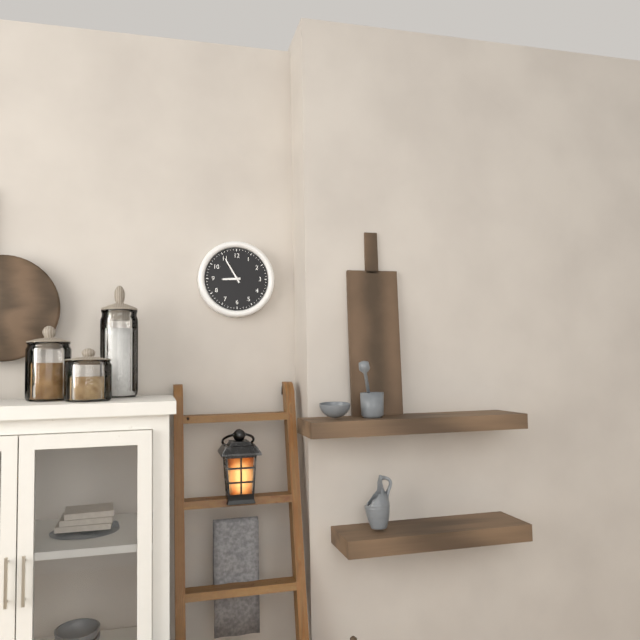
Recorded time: 8:55
